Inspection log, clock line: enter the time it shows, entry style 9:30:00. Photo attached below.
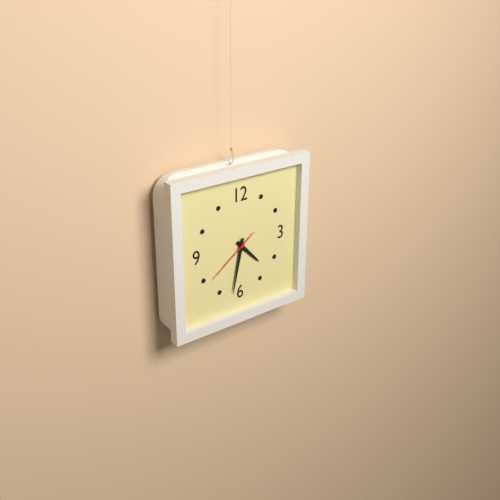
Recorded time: 4:32:39
